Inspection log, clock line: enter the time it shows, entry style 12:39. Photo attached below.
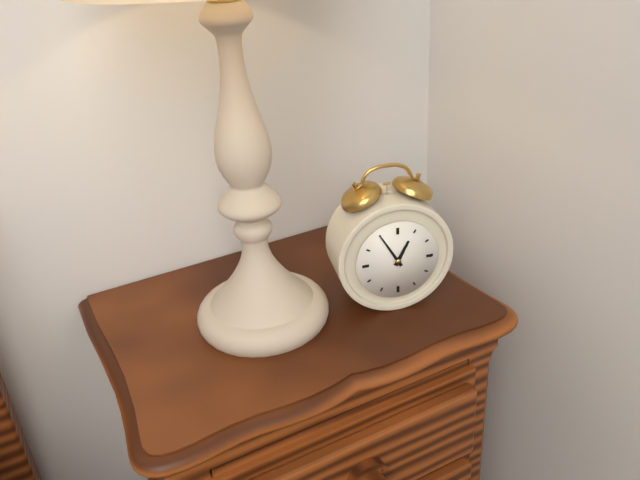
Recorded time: 12:55
